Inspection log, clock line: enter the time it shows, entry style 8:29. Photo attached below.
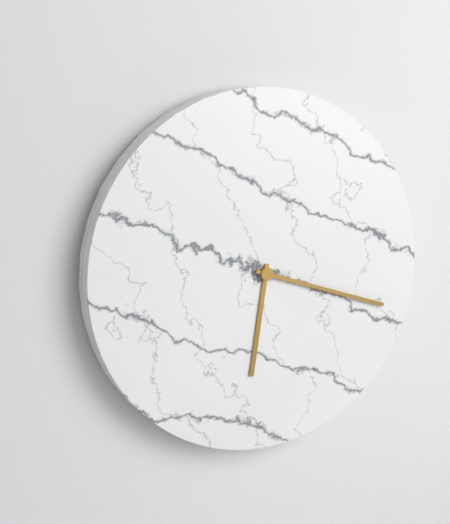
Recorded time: 6:18
